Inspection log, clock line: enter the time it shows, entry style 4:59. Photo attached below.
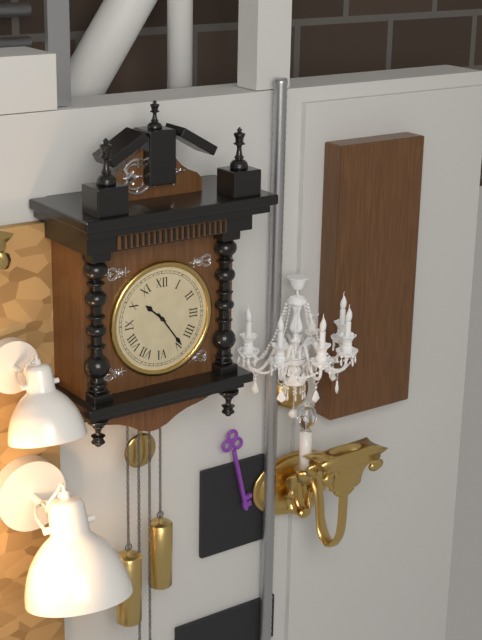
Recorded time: 10:24
